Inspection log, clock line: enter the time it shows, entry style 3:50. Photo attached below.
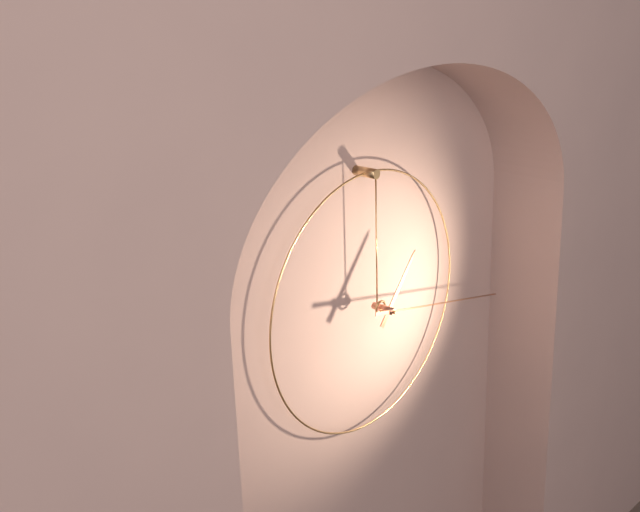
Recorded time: 1:17
